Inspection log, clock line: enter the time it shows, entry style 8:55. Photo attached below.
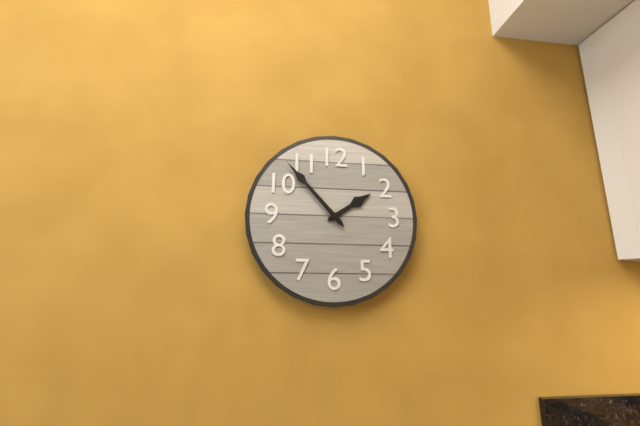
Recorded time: 1:53
